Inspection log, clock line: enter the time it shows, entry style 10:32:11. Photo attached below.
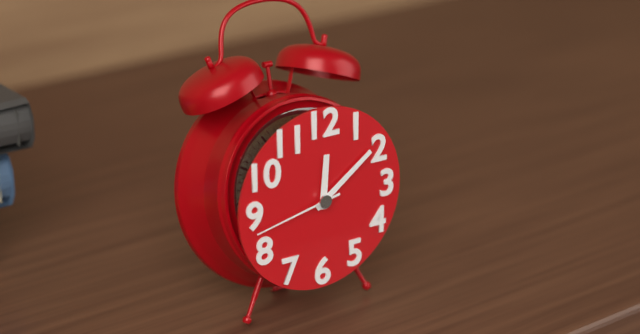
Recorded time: 12:09:43
